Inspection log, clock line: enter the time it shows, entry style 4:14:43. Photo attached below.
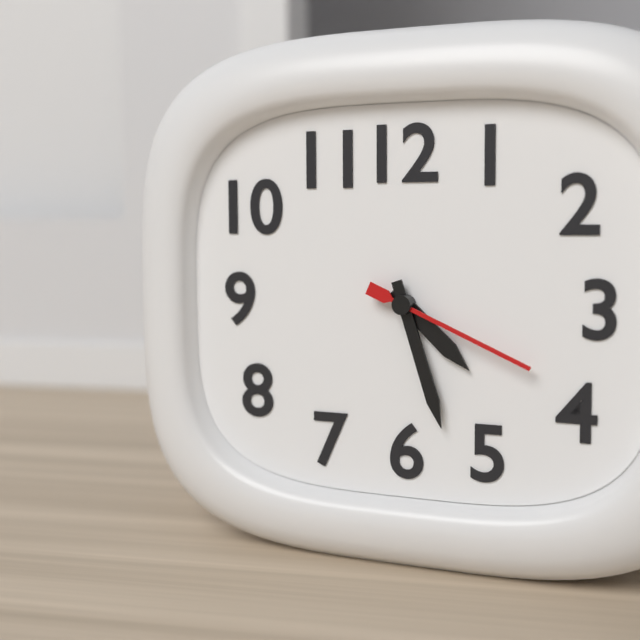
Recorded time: 4:27:19
